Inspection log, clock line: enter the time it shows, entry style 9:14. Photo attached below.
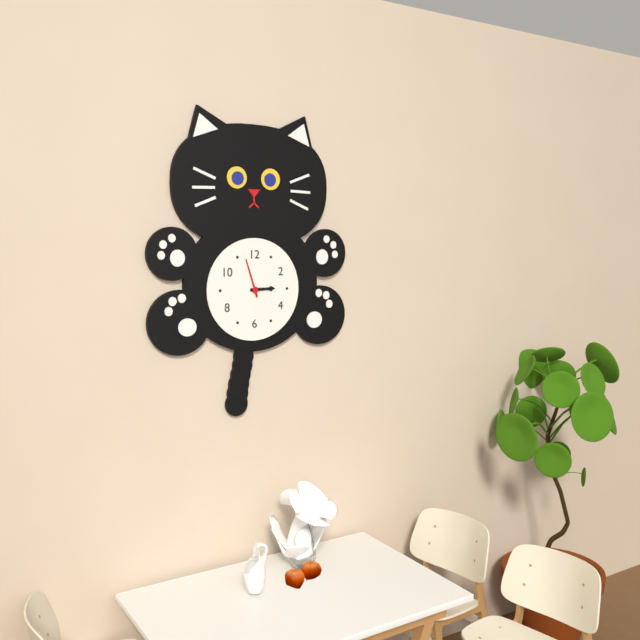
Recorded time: 2:57
